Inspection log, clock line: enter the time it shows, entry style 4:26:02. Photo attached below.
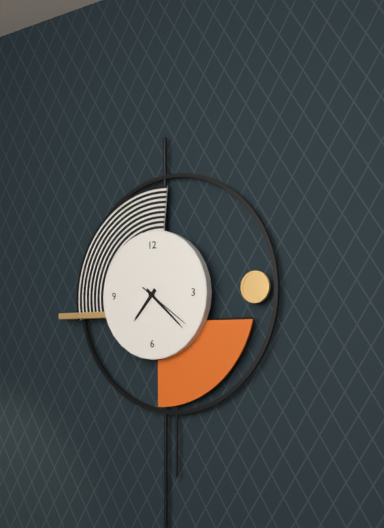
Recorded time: 7:22:21
